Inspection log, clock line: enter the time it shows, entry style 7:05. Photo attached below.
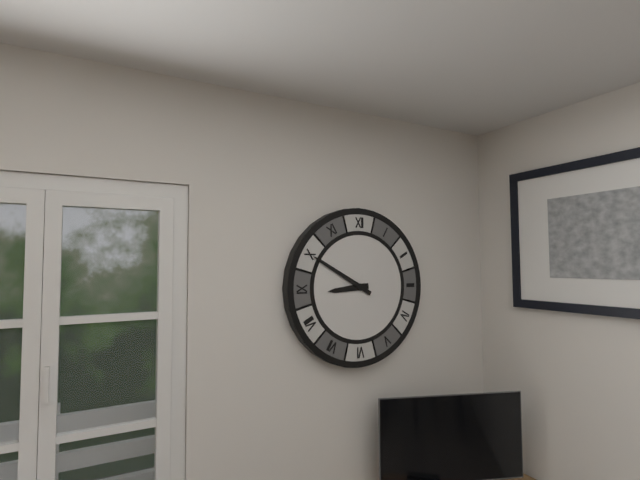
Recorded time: 8:50
